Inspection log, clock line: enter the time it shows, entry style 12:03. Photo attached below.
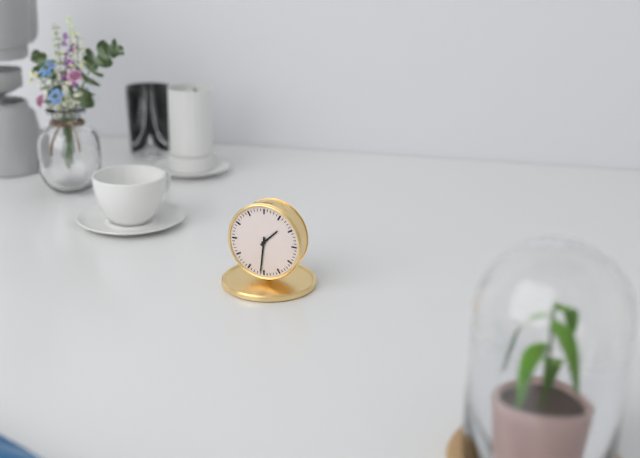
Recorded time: 1:31
